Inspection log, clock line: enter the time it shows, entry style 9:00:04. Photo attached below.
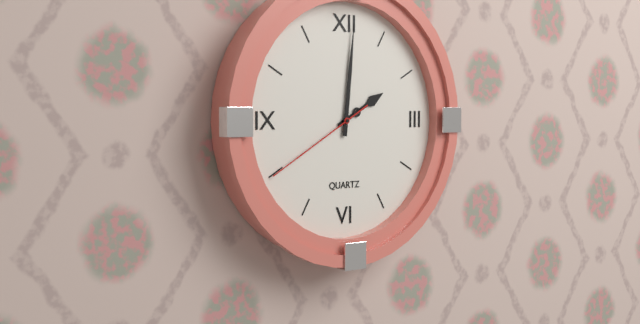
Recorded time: 2:01:40
